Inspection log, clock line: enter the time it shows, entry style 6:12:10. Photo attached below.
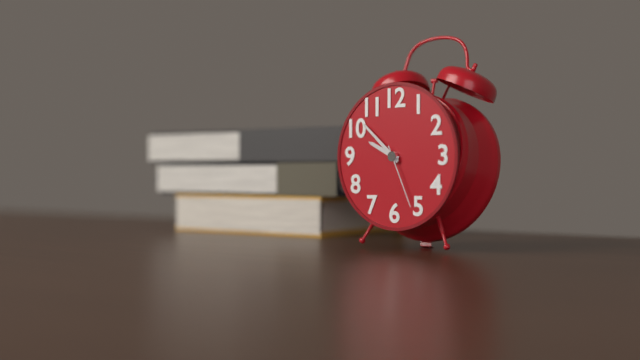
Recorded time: 9:52:26
